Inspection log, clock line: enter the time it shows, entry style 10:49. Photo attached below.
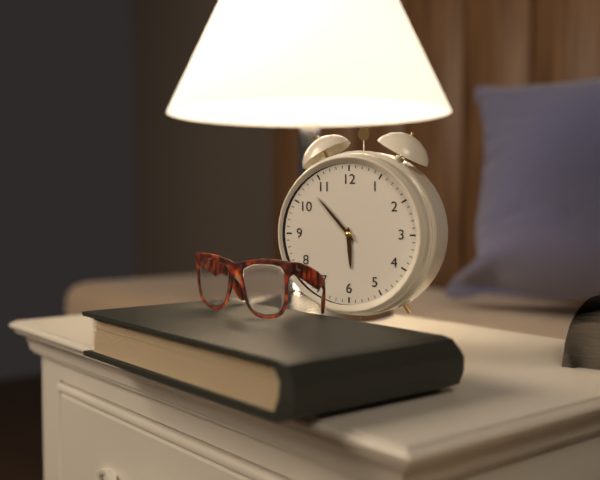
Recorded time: 5:53
